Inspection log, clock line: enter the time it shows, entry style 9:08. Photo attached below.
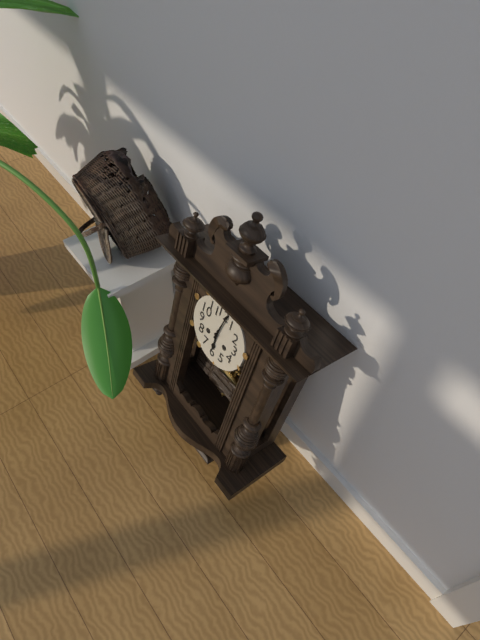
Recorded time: 6:02
